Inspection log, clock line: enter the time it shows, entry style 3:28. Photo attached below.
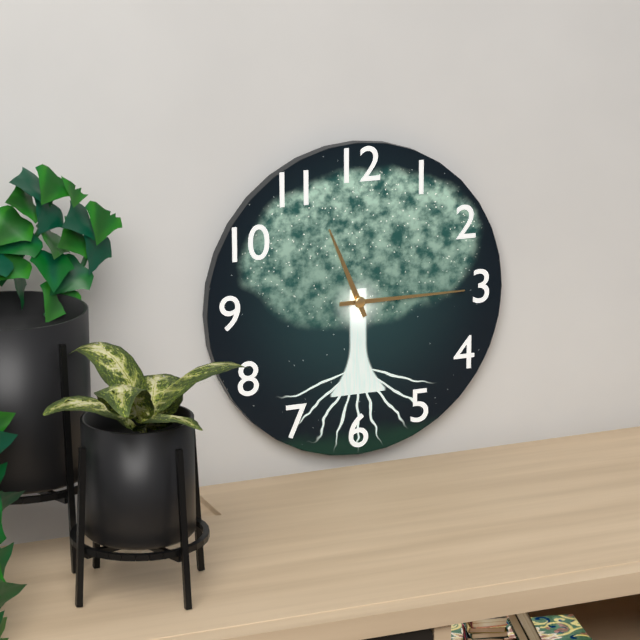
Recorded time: 11:15
